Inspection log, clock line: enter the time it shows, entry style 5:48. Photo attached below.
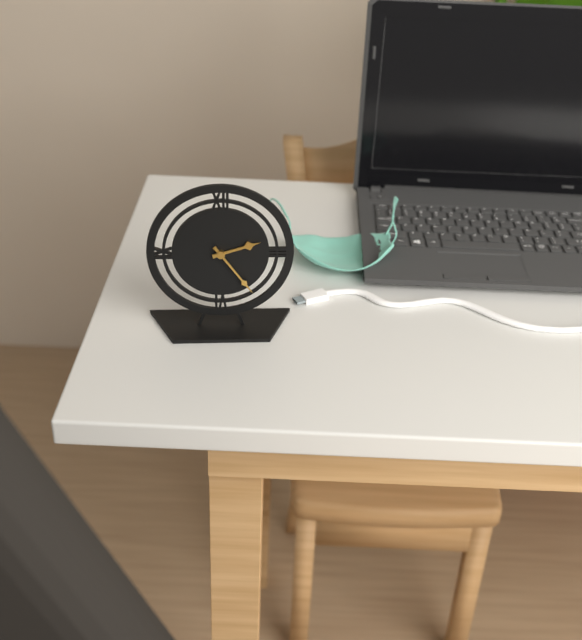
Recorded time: 2:24
